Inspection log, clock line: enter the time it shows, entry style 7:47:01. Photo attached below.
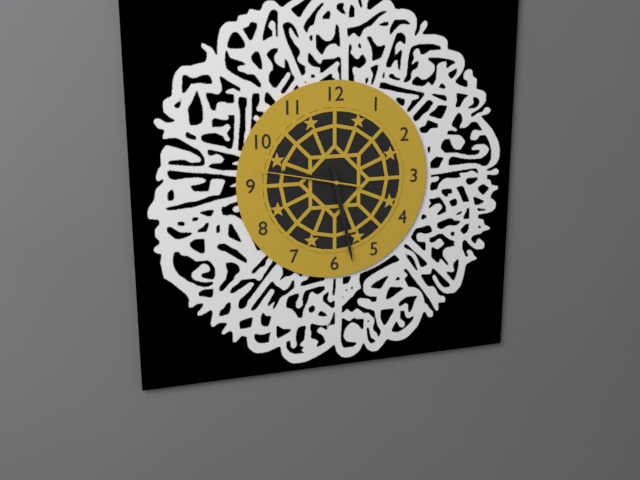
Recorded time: 9:28:47
